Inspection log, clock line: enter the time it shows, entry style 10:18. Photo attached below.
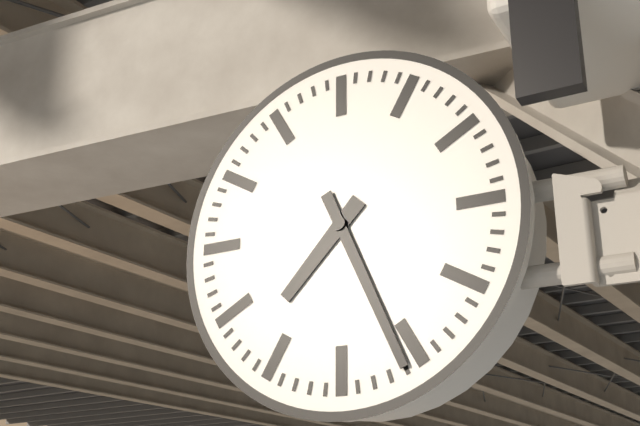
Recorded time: 7:26
